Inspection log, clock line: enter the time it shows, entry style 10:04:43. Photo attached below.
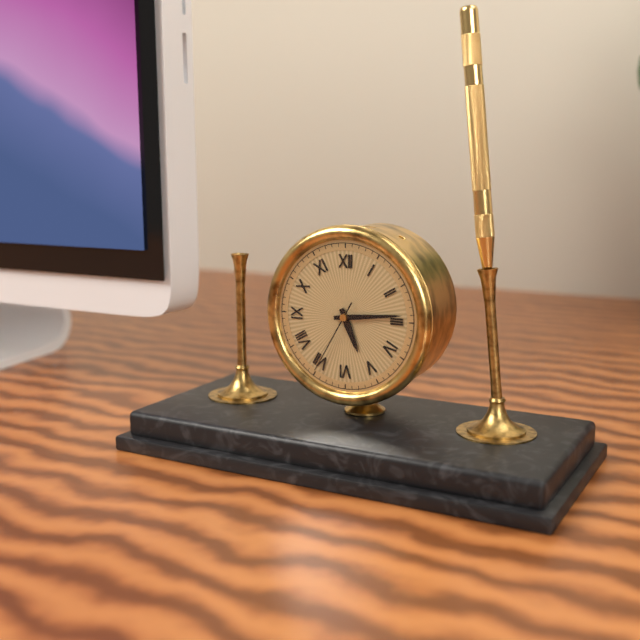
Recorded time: 5:14:35
